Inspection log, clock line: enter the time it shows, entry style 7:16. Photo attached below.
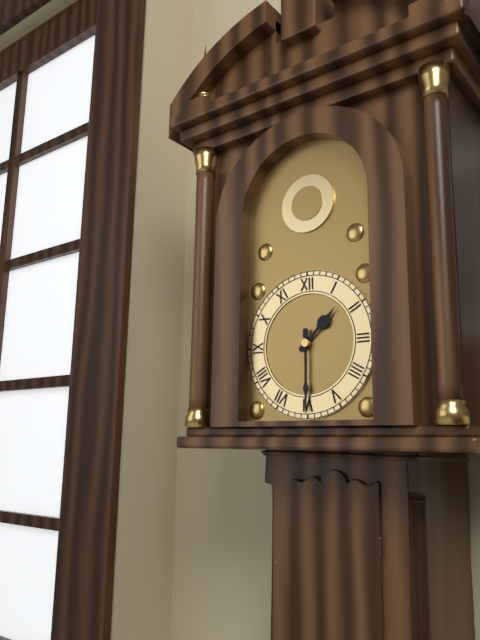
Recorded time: 1:30
